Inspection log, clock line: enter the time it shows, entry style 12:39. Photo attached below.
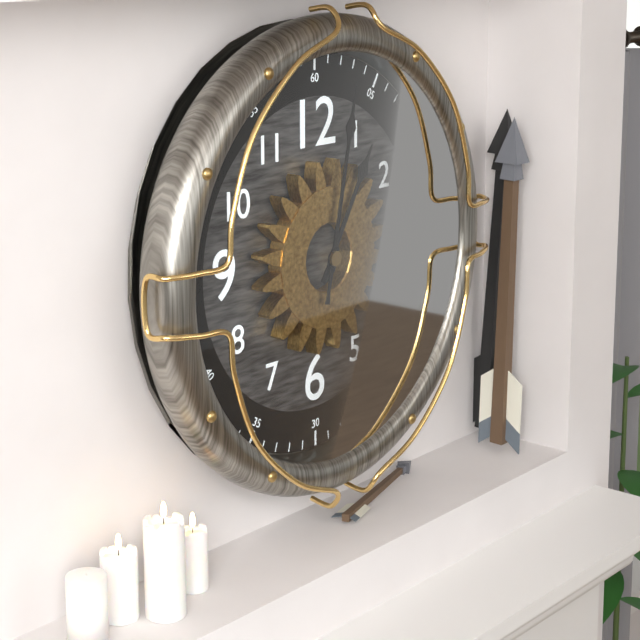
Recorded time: 1:02
